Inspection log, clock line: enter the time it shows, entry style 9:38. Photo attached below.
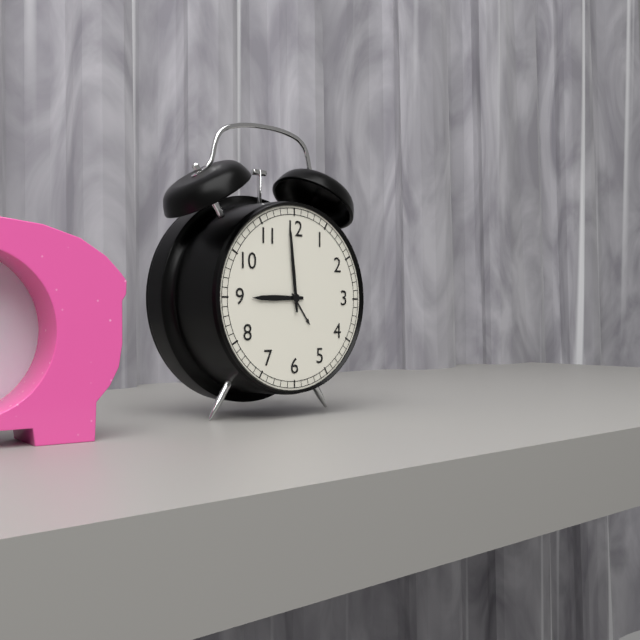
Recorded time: 8:59
